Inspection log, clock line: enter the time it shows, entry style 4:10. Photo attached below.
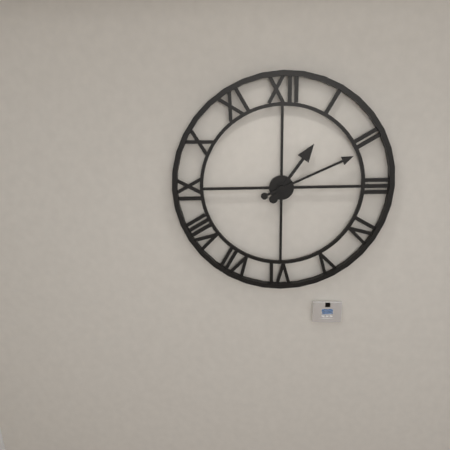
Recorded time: 1:11
